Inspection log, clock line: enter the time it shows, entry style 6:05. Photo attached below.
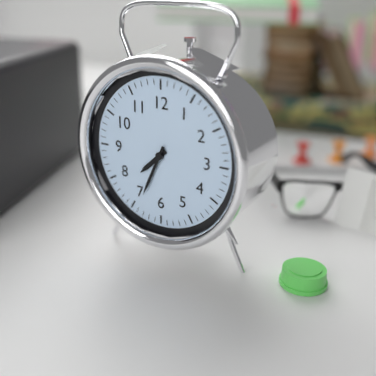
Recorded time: 7:34
